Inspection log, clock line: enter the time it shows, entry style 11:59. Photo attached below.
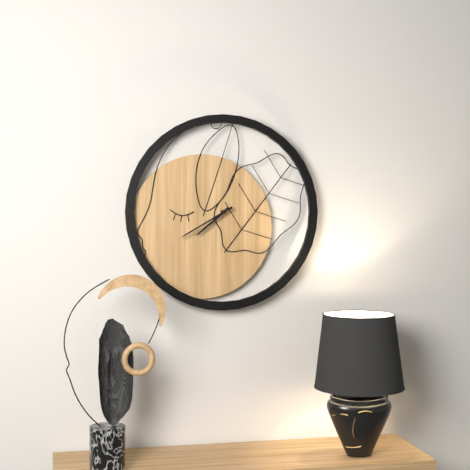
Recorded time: 7:40
